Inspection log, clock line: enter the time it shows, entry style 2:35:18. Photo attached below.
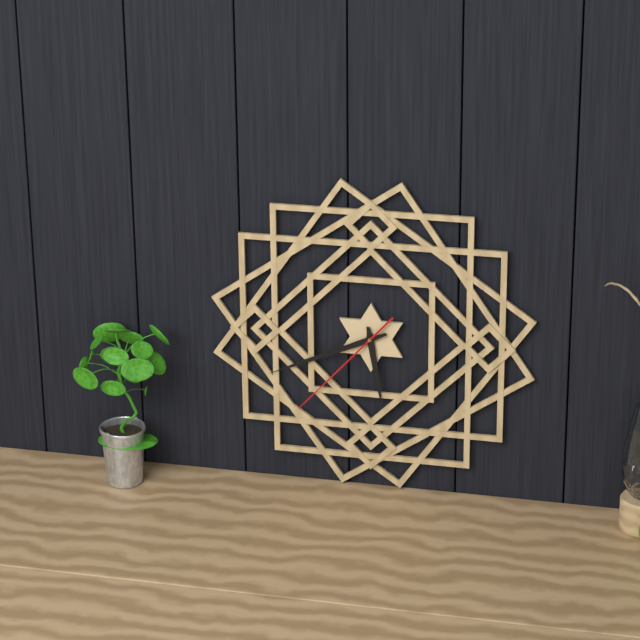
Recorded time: 5:41:37
